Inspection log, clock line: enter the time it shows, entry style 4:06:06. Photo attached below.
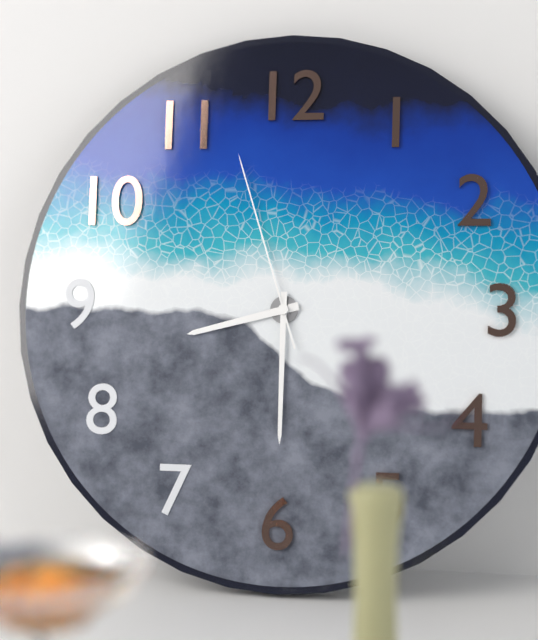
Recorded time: 8:30:57
